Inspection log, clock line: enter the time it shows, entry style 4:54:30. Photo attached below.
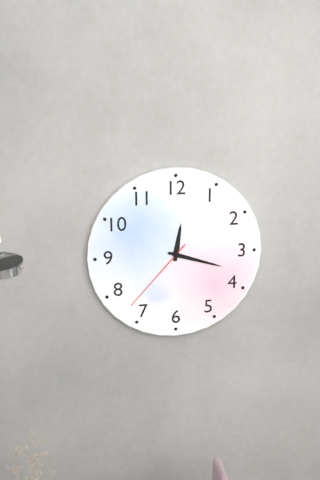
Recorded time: 12:18:37
